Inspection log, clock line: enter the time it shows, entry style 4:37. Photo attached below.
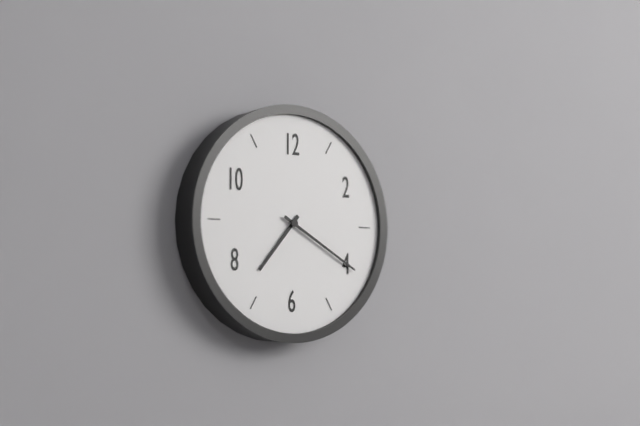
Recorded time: 7:20
